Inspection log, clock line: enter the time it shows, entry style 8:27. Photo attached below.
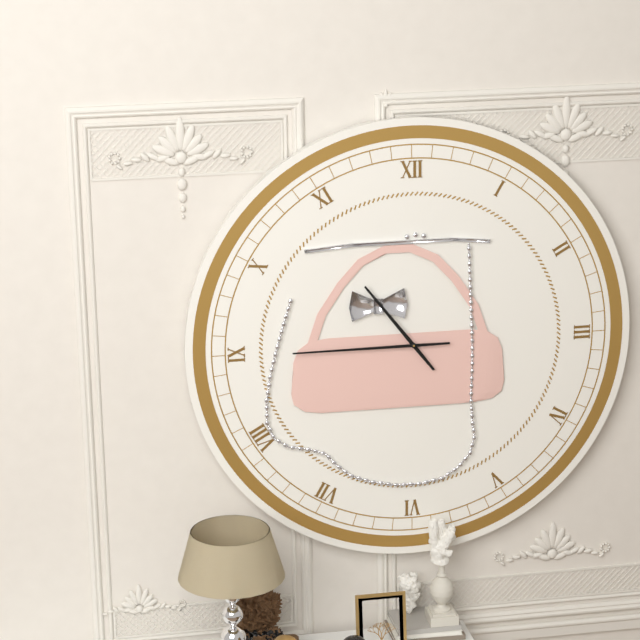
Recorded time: 10:45
